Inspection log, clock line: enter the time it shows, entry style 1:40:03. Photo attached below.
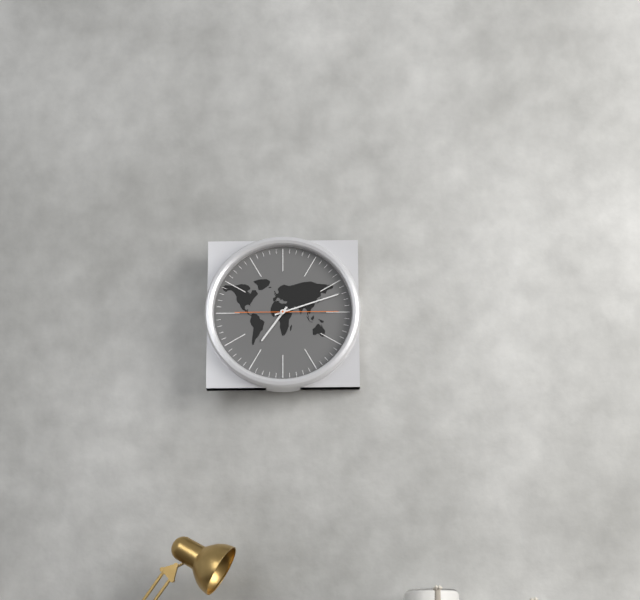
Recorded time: 7:12:15
